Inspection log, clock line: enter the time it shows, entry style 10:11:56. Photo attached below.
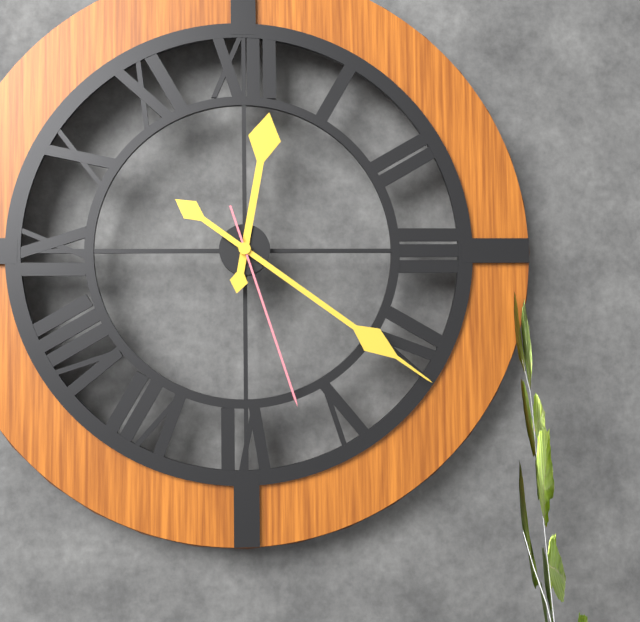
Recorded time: 12:21:27
